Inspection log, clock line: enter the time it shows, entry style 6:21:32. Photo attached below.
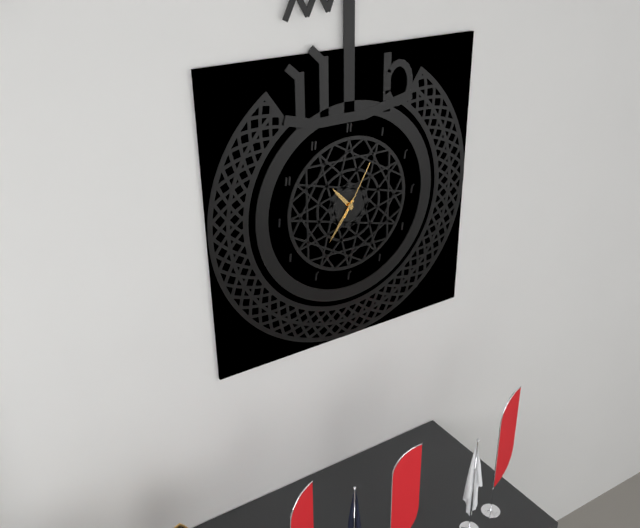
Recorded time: 10:36:05
